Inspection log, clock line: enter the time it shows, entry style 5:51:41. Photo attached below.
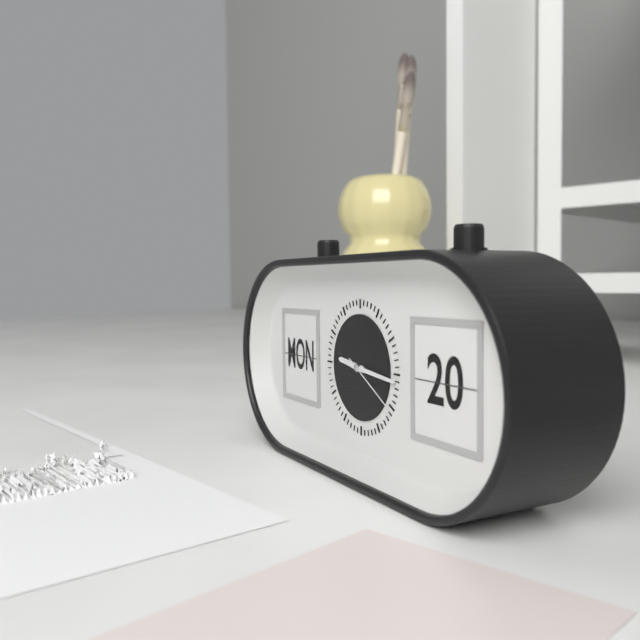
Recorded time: 9:16:20
